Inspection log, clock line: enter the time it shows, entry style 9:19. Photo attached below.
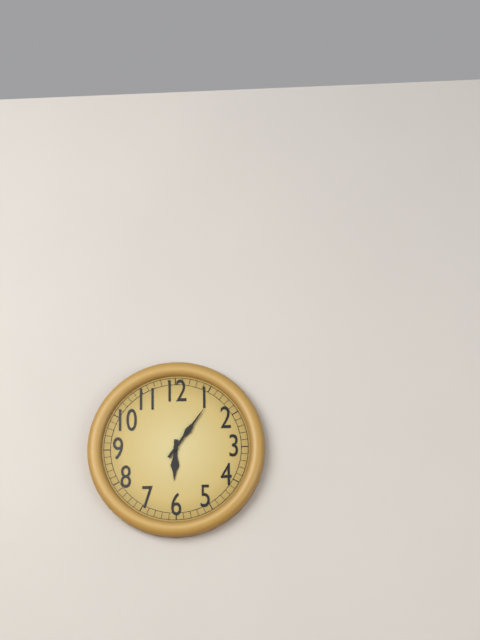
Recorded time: 6:06
